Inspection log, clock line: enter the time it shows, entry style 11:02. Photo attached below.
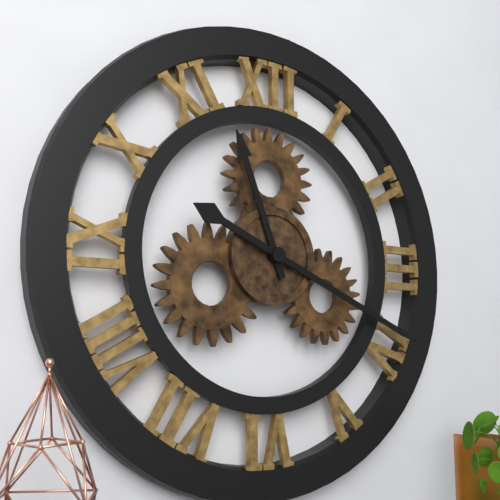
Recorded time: 11:19
